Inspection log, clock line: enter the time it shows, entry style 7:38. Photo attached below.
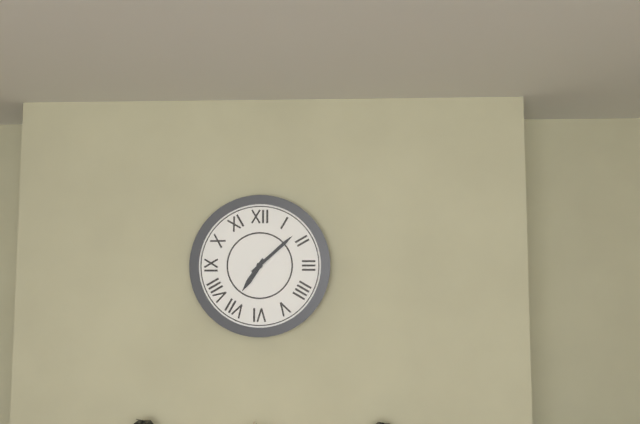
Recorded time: 7:08
